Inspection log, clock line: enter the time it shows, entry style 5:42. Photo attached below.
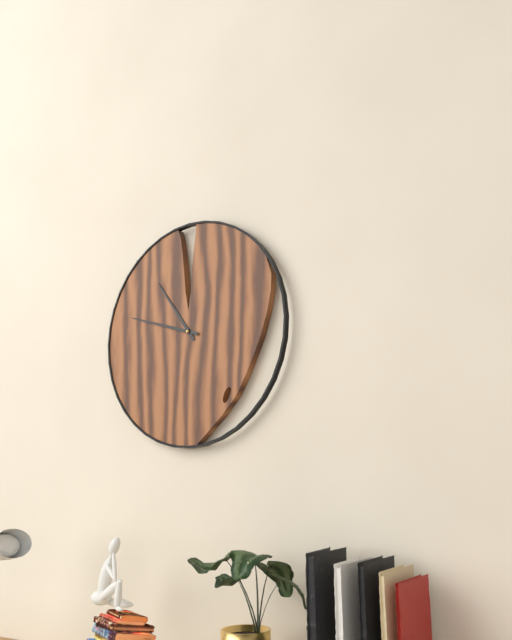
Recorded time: 10:48
